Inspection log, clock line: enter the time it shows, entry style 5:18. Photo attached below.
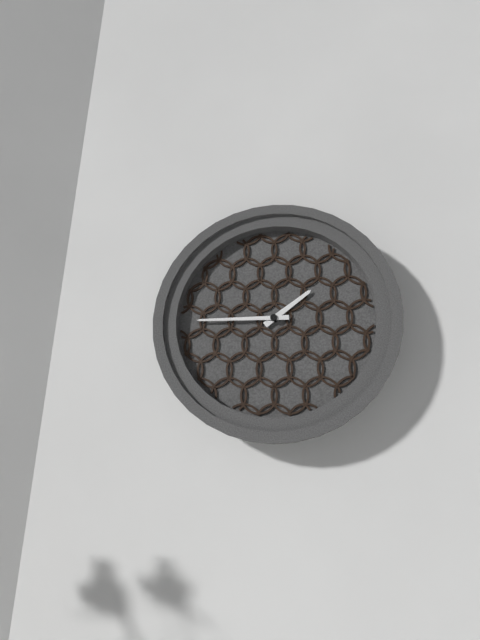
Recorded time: 1:45
